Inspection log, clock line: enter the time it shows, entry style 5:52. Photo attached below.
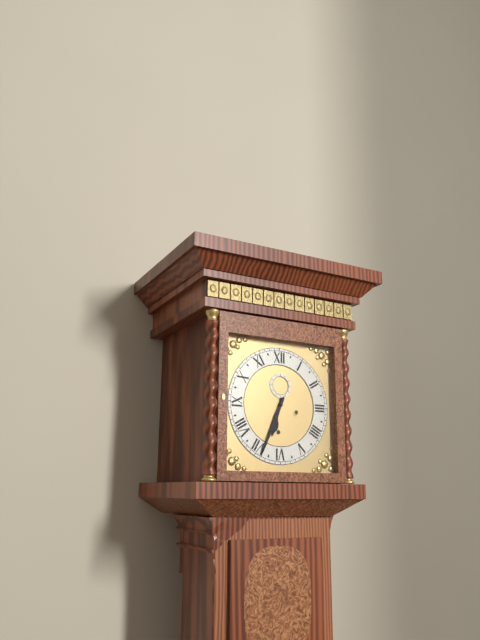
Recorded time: 6:34
